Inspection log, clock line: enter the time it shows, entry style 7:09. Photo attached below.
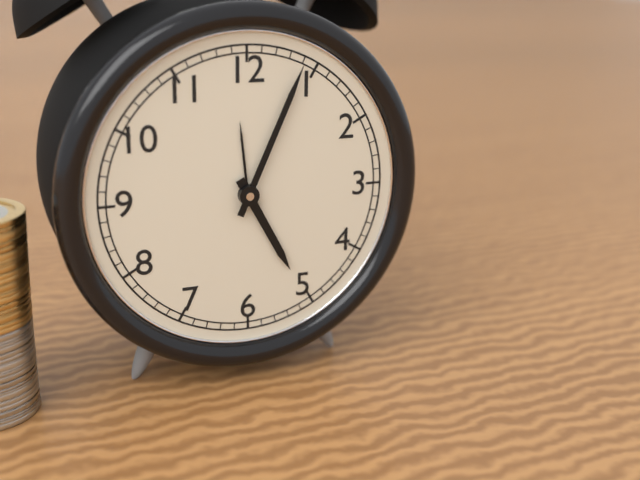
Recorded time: 5:04
